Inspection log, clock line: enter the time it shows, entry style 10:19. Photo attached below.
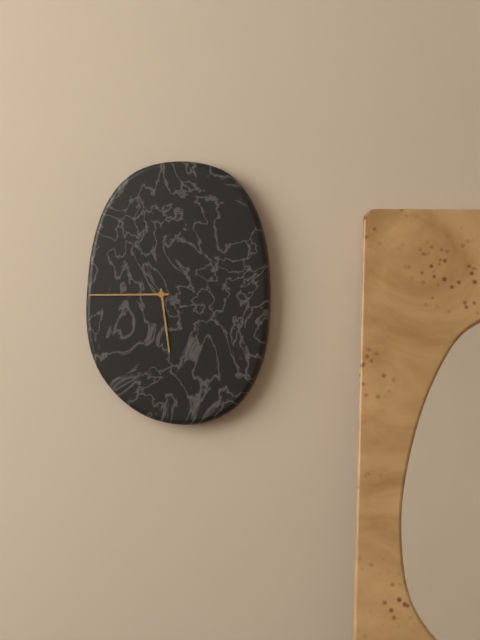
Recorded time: 5:45
